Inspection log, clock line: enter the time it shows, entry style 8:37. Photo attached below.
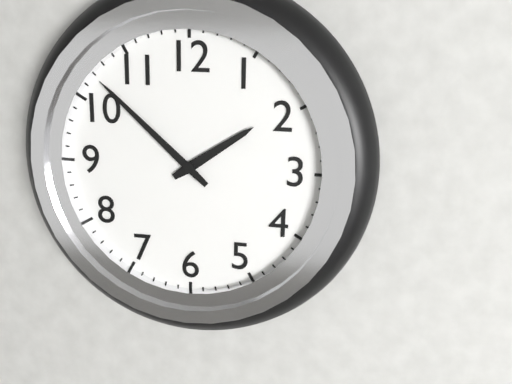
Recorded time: 1:52
